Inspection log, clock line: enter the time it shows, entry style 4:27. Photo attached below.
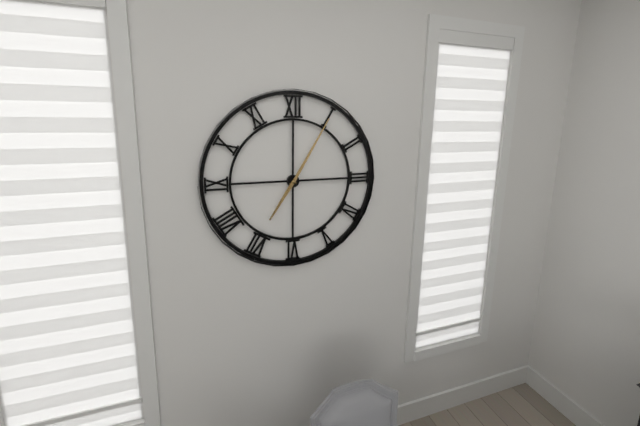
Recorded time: 7:05
